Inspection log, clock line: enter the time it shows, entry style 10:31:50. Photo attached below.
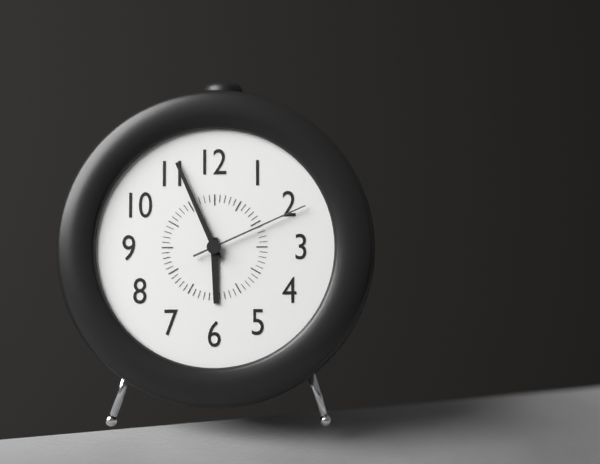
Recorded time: 5:56:11
